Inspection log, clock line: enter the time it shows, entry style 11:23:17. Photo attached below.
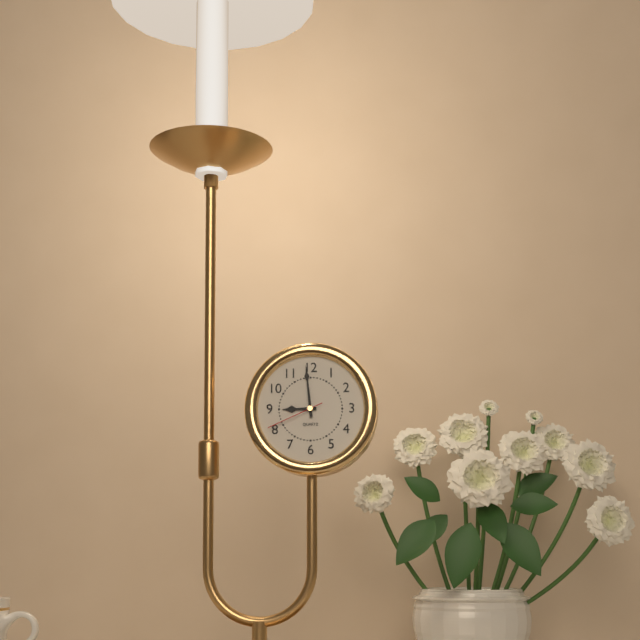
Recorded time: 8:59:41
